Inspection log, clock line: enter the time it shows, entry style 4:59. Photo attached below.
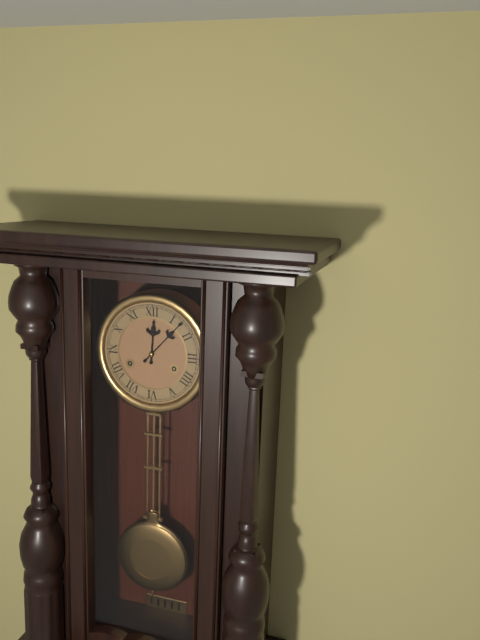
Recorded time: 12:07
